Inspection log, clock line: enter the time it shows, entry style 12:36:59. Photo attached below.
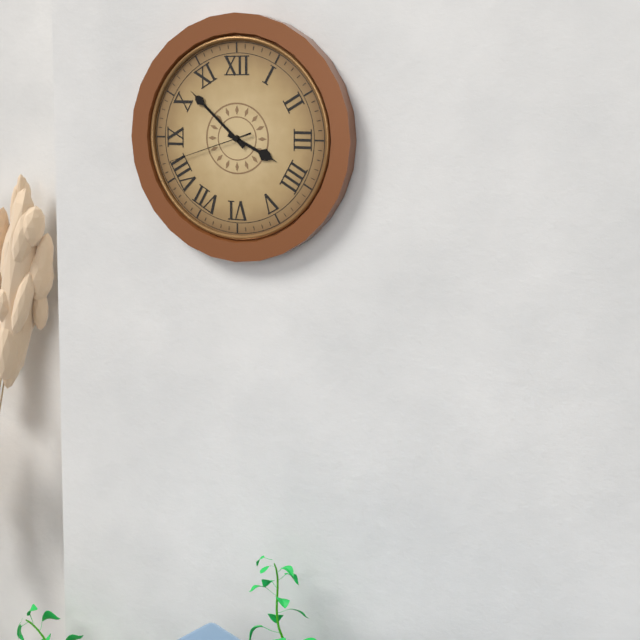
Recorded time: 3:52:42
